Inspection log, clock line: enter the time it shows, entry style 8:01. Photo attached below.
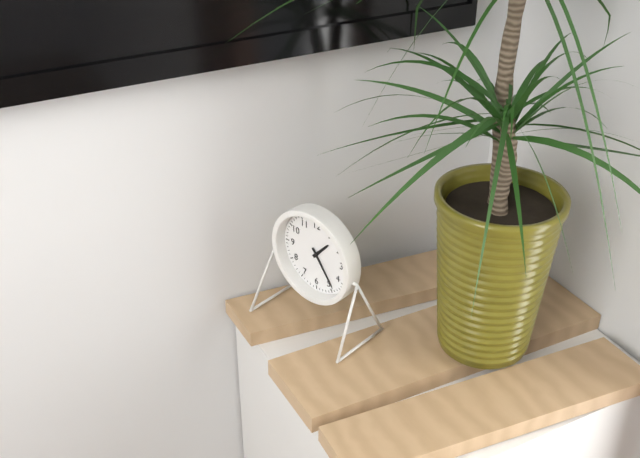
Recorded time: 1:24
